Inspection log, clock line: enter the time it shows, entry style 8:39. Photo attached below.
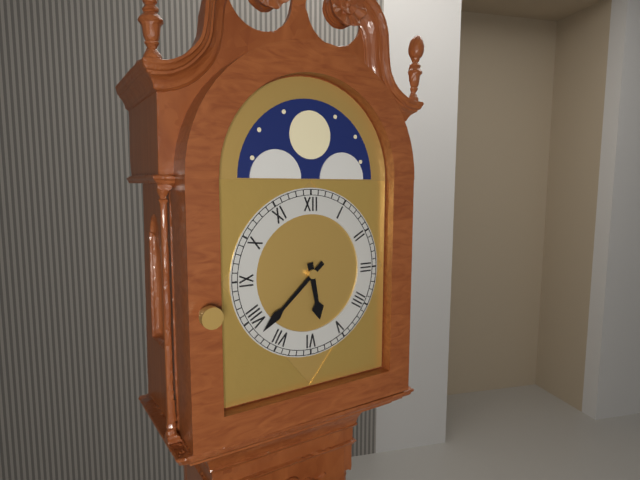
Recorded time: 5:38
